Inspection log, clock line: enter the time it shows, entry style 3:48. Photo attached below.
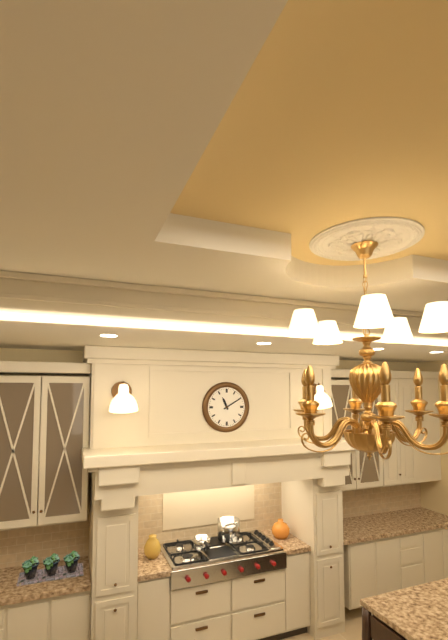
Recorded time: 11:10
